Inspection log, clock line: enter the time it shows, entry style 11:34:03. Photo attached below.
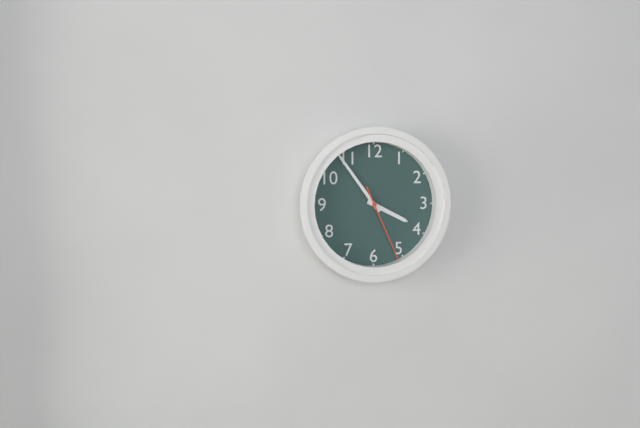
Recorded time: 3:54:26
